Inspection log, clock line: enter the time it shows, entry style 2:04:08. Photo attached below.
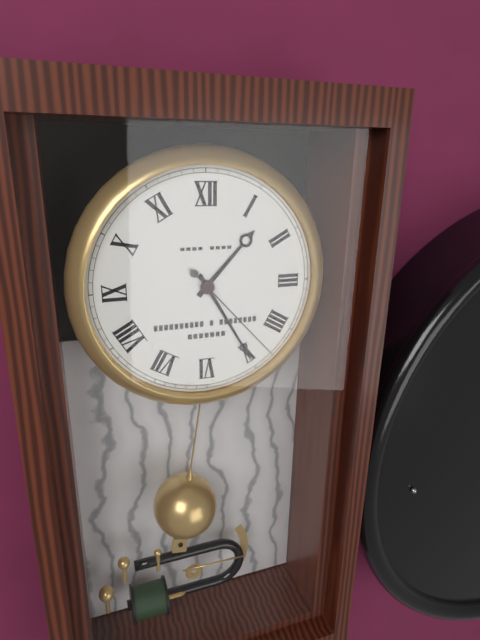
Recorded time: 1:25:23
